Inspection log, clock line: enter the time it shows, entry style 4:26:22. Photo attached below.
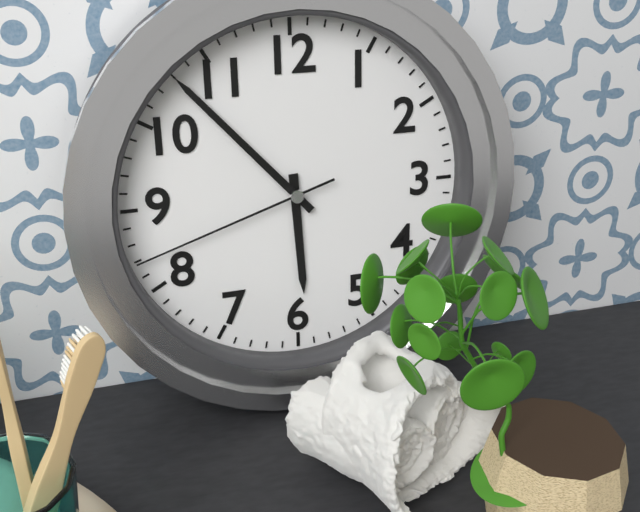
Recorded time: 5:53:42
